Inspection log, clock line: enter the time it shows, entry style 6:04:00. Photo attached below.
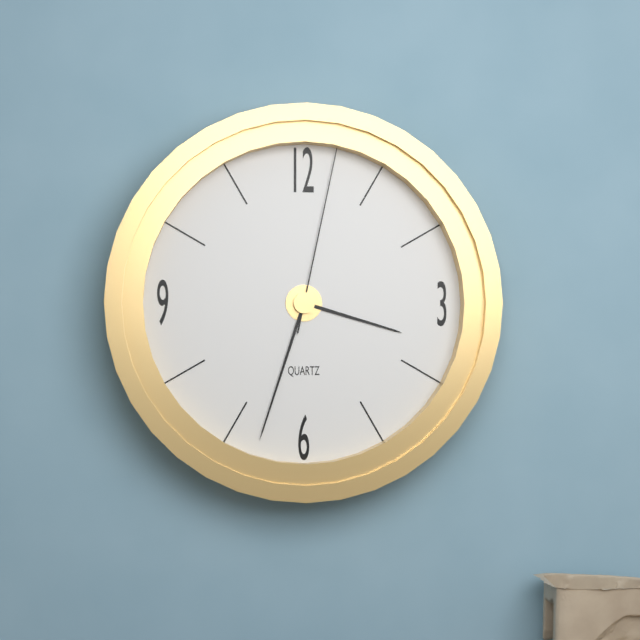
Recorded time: 3:33:02
